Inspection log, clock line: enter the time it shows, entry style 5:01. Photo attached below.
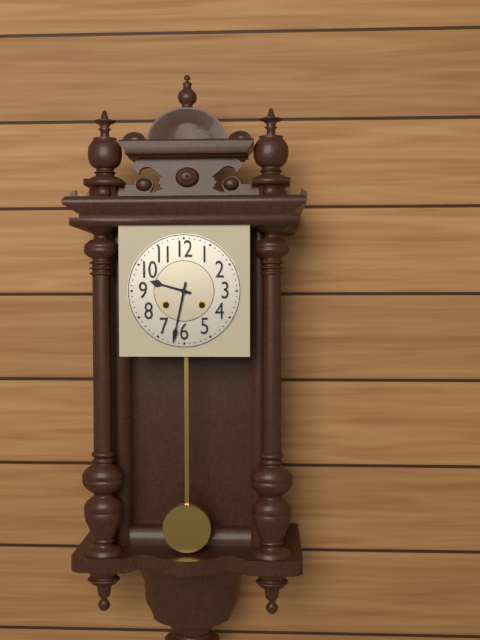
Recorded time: 9:32
